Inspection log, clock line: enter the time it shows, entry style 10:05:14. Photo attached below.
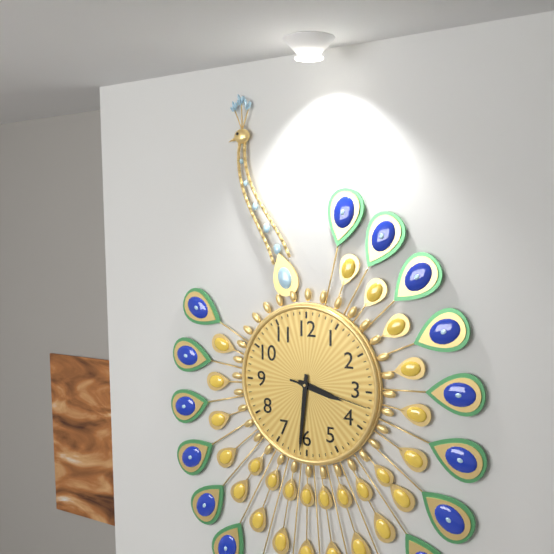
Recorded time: 3:31:17
